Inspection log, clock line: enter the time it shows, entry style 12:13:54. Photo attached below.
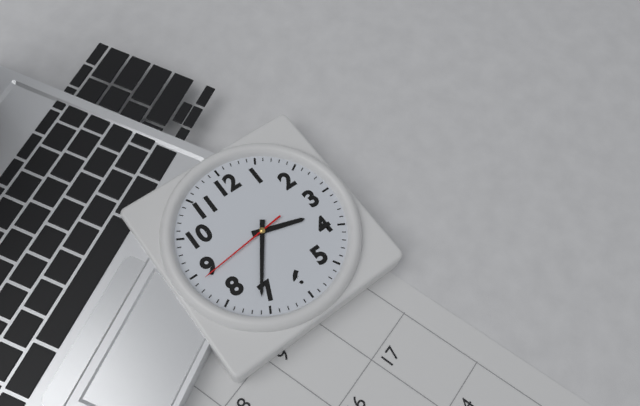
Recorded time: 3:36:44
